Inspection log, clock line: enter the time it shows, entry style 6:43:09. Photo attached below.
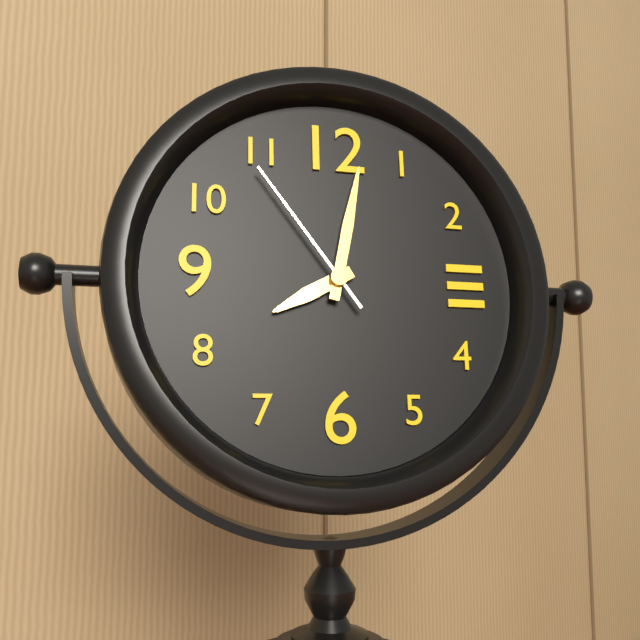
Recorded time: 8:02:54
